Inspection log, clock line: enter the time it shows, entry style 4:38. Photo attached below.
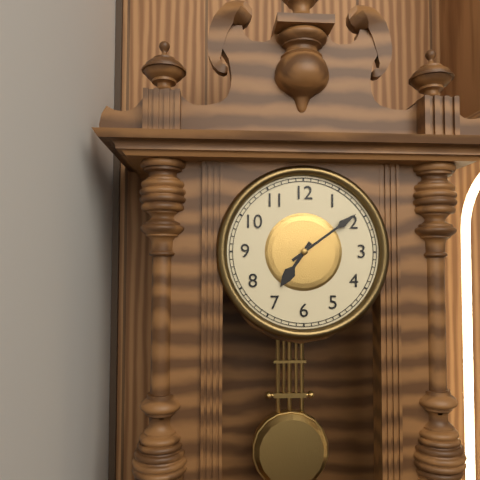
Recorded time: 7:09
